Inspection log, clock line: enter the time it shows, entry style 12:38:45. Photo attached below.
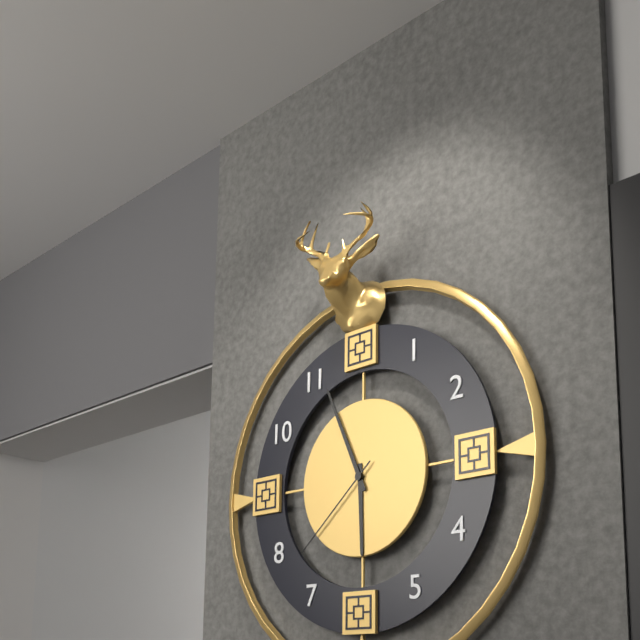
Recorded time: 5:56:38
